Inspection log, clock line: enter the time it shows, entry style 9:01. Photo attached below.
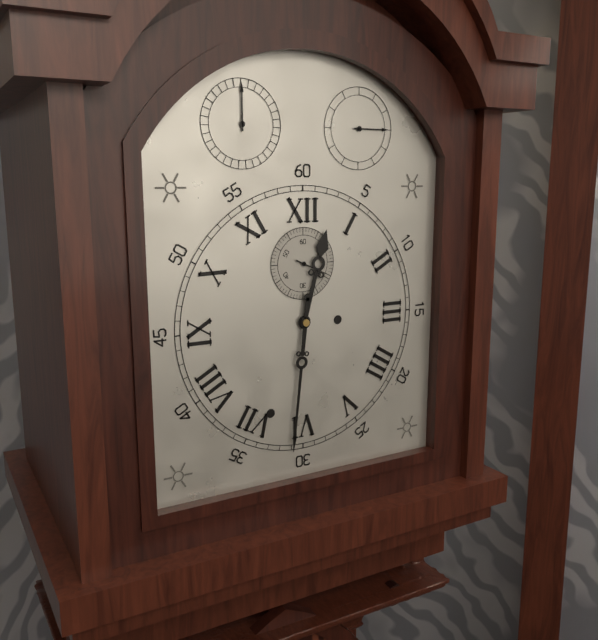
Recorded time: 12:31
